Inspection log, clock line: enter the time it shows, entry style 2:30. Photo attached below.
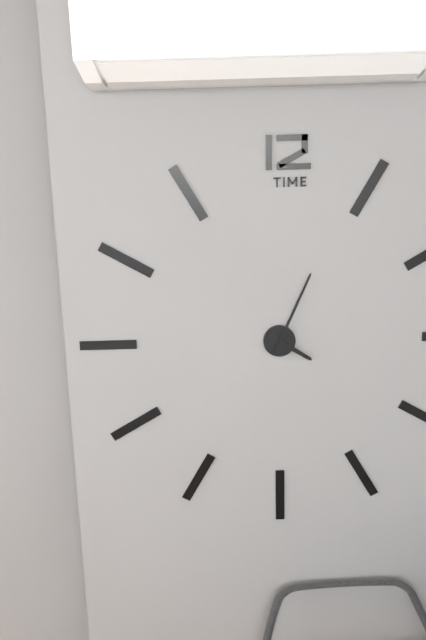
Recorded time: 4:04
